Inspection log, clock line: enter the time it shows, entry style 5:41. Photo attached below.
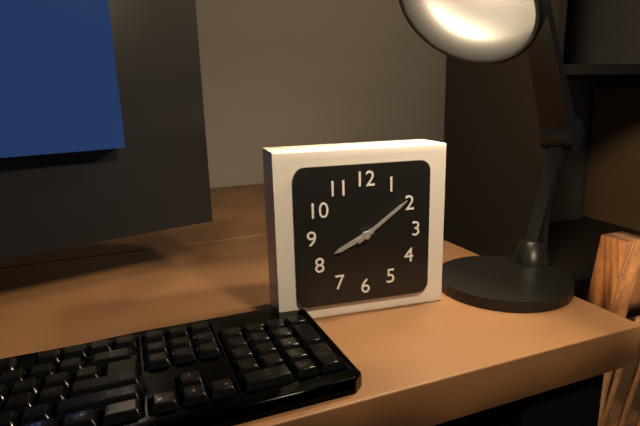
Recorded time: 8:09
